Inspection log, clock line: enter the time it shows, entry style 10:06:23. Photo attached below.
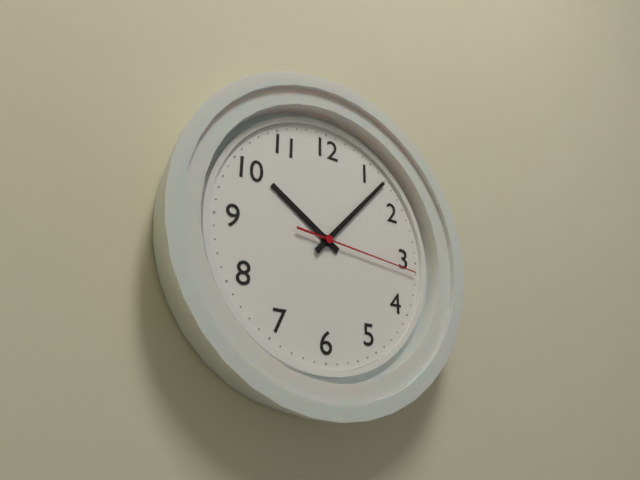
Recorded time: 10:07:16
